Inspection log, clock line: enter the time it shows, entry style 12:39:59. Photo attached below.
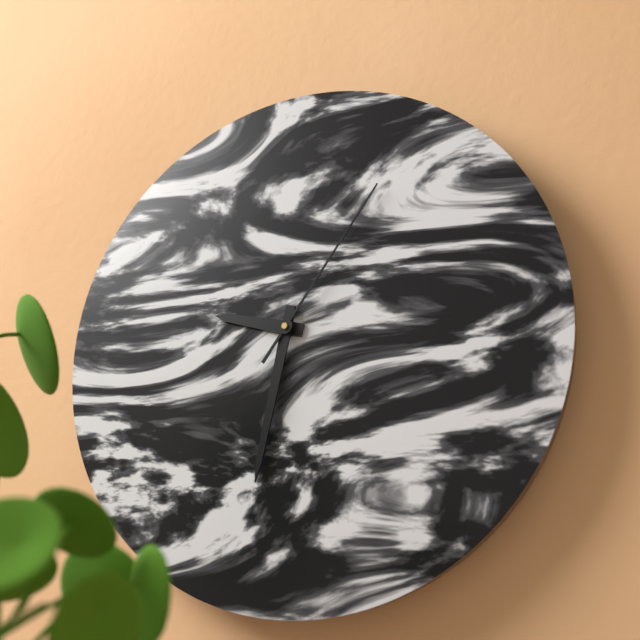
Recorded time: 9:32:06
